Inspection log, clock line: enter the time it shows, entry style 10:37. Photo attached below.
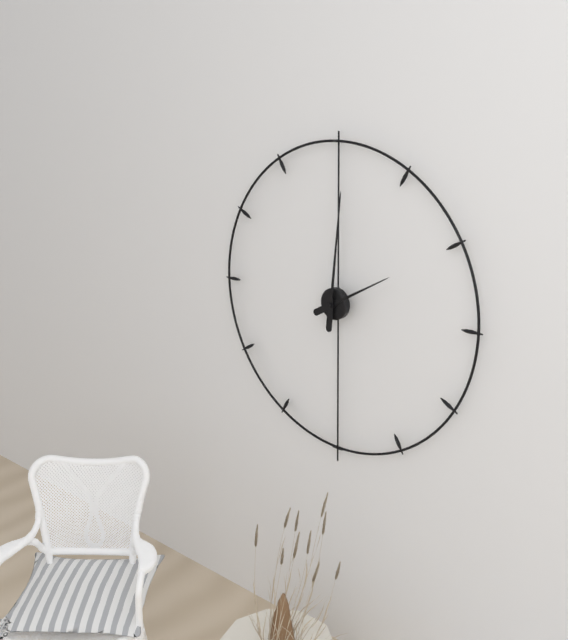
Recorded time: 2:01
